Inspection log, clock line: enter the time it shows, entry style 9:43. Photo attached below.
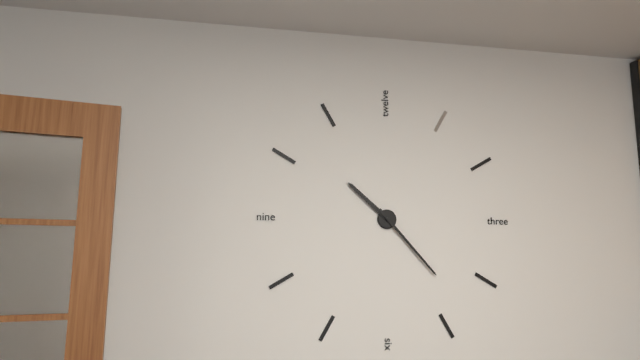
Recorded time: 10:23
